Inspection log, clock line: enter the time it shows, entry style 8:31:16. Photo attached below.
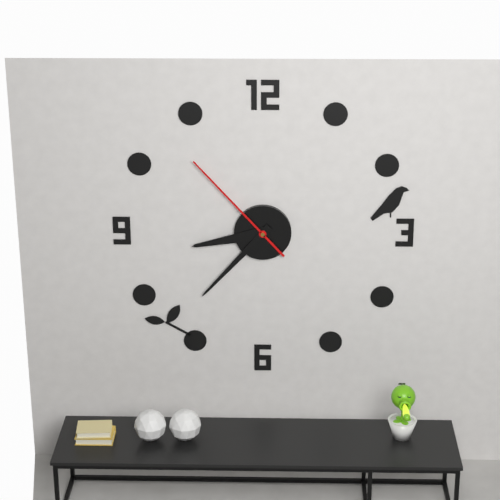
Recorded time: 8:37:53
